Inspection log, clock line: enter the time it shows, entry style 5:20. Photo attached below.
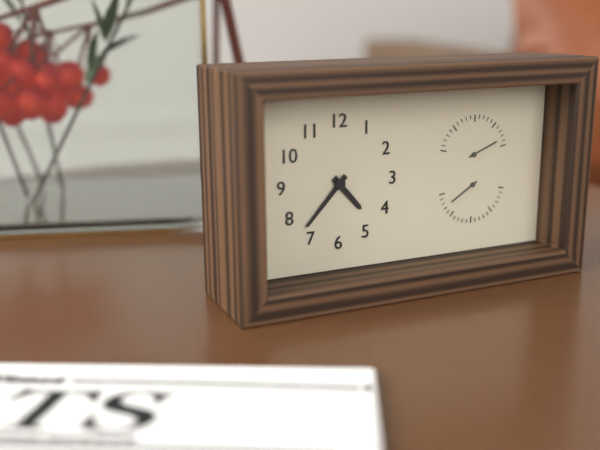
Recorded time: 4:37
